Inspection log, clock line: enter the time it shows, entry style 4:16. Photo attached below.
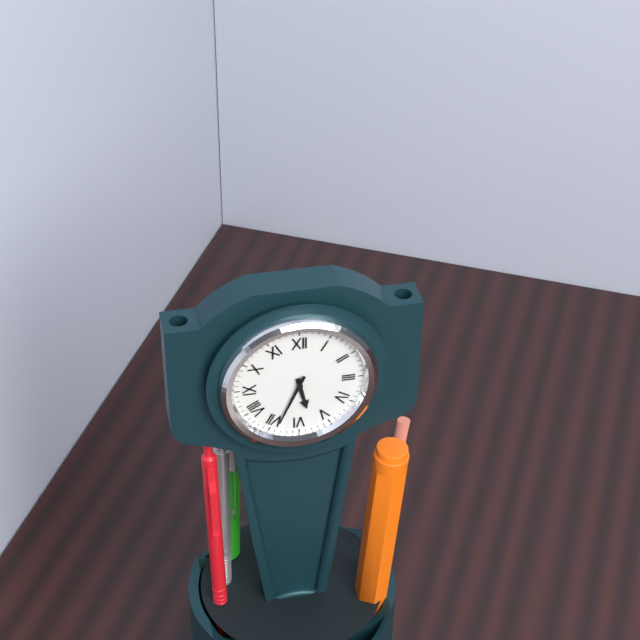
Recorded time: 5:34
